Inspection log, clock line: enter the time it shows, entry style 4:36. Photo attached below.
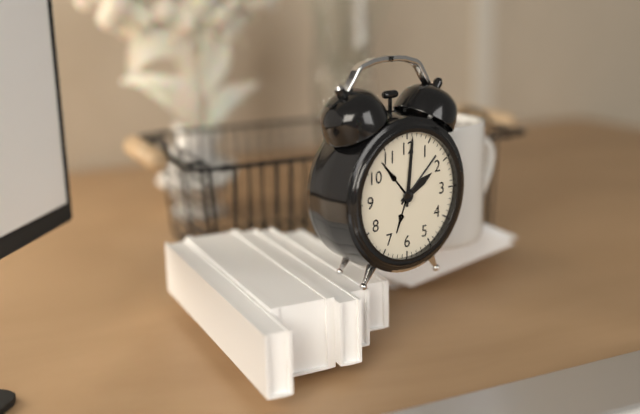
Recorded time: 2:01
